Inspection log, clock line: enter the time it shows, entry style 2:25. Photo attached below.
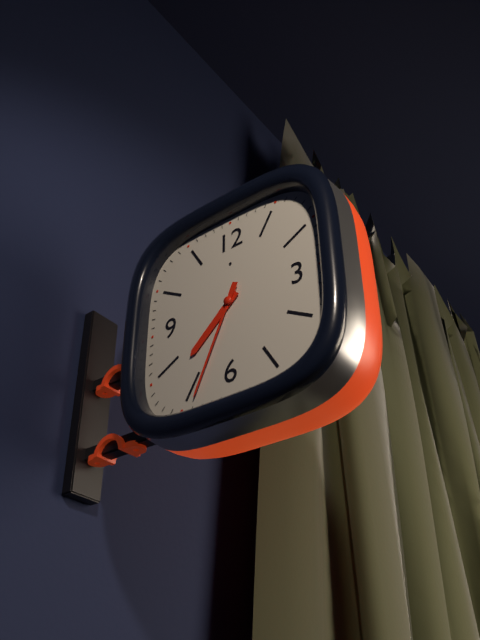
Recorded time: 7:34
